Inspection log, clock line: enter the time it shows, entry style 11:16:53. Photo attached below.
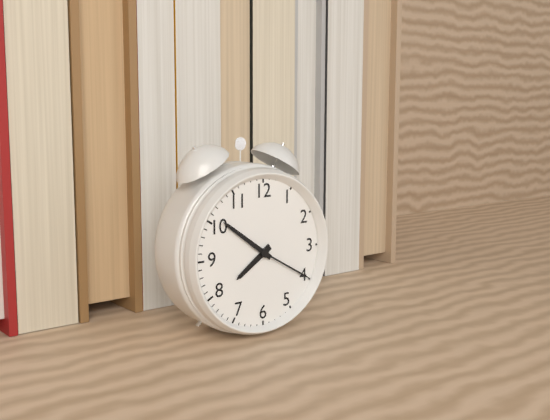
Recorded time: 7:51:20
